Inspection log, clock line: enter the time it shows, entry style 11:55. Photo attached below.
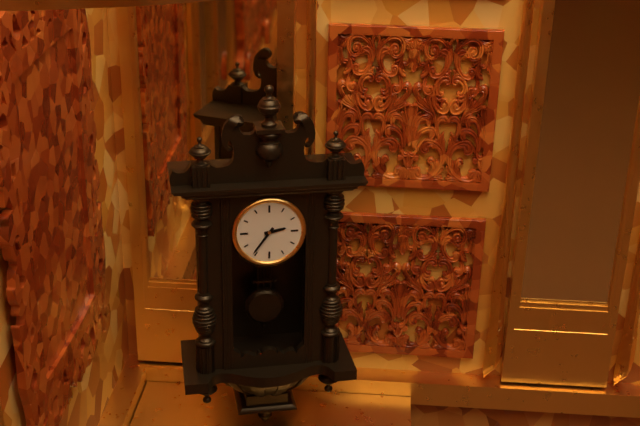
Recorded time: 2:36
